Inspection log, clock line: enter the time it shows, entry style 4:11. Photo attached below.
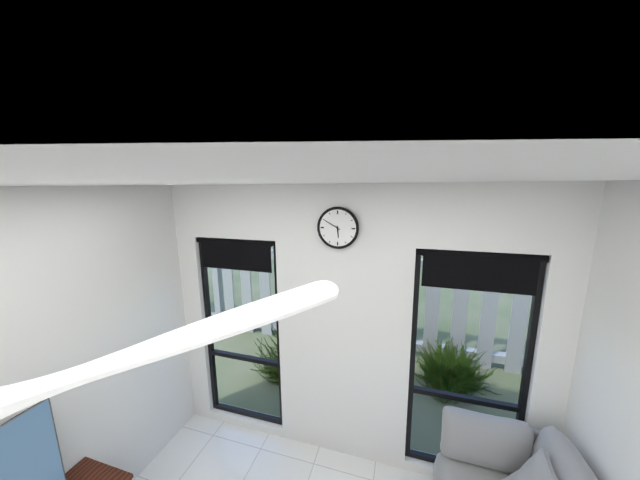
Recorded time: 5:50
